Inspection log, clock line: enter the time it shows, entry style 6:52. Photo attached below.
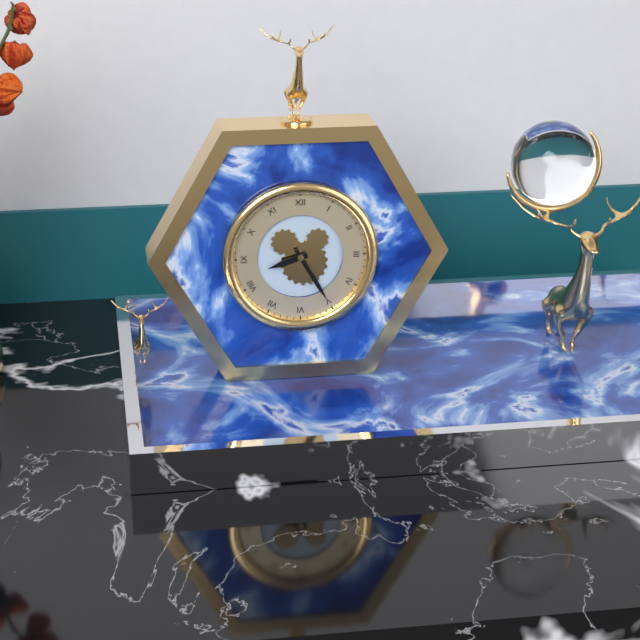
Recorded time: 8:25
